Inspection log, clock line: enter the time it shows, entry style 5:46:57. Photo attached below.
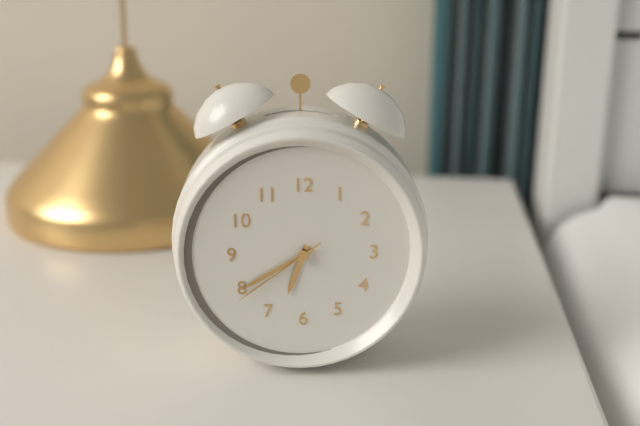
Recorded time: 6:40:39
